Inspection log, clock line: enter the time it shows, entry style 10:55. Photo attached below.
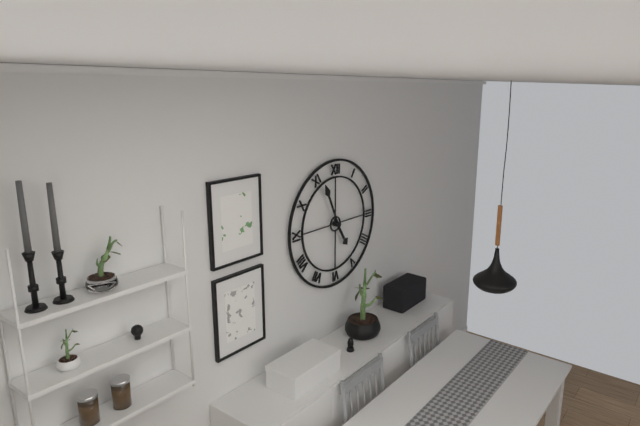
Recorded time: 4:56
